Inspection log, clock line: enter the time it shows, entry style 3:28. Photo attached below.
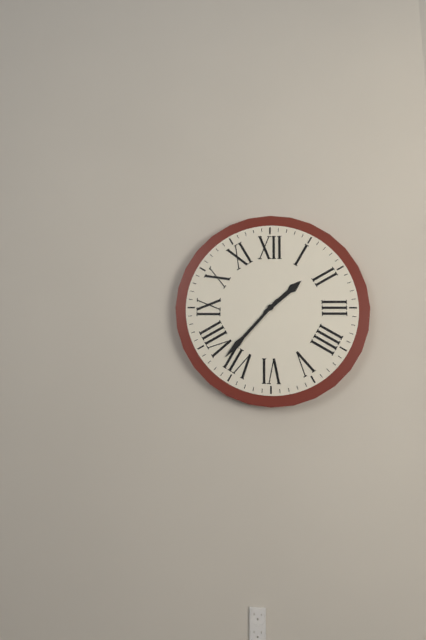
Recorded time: 1:37
